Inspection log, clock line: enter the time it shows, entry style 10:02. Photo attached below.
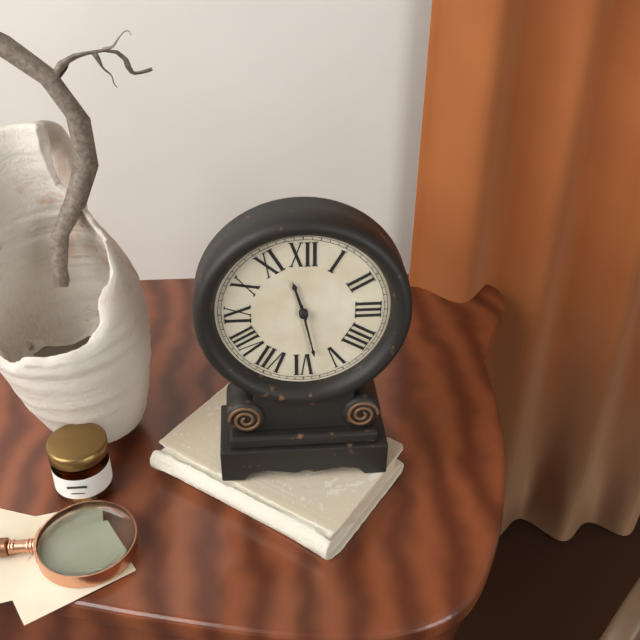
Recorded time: 11:28
